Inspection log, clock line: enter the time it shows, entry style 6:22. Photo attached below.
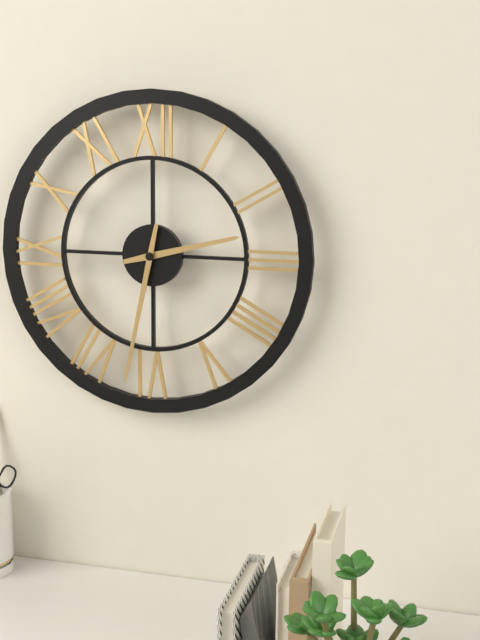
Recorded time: 2:32
